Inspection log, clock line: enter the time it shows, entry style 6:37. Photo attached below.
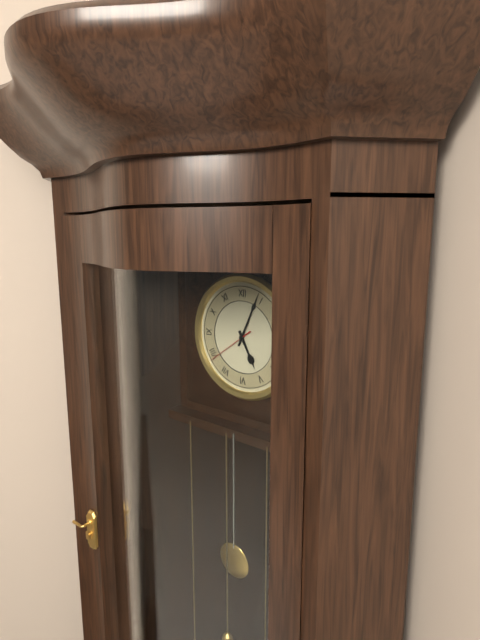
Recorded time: 5:04
